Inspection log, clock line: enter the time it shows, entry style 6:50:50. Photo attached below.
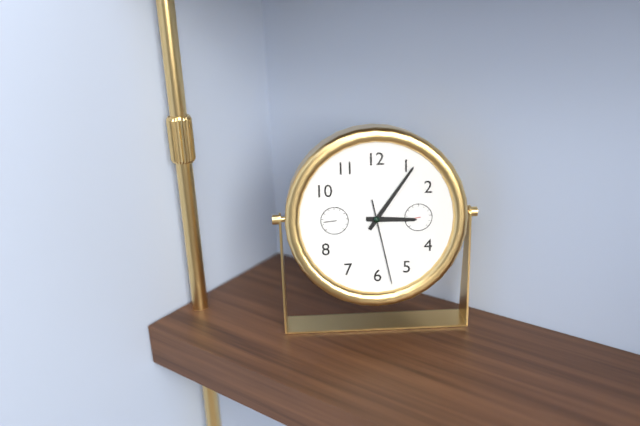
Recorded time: 3:06:28
